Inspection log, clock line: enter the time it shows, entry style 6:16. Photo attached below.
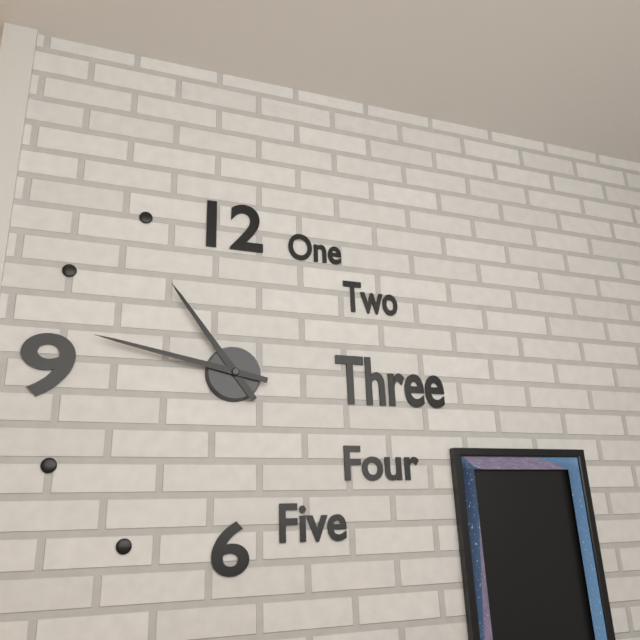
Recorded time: 10:47
